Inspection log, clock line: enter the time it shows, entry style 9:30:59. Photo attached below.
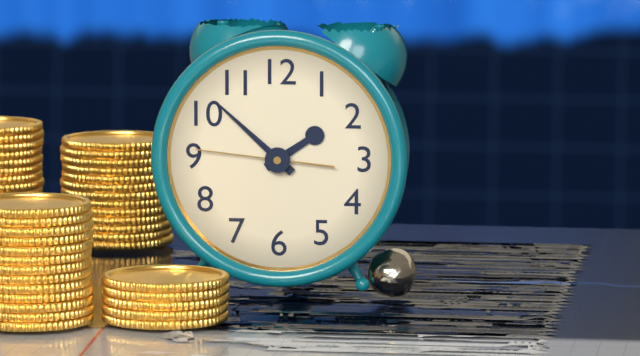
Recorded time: 1:52:46
